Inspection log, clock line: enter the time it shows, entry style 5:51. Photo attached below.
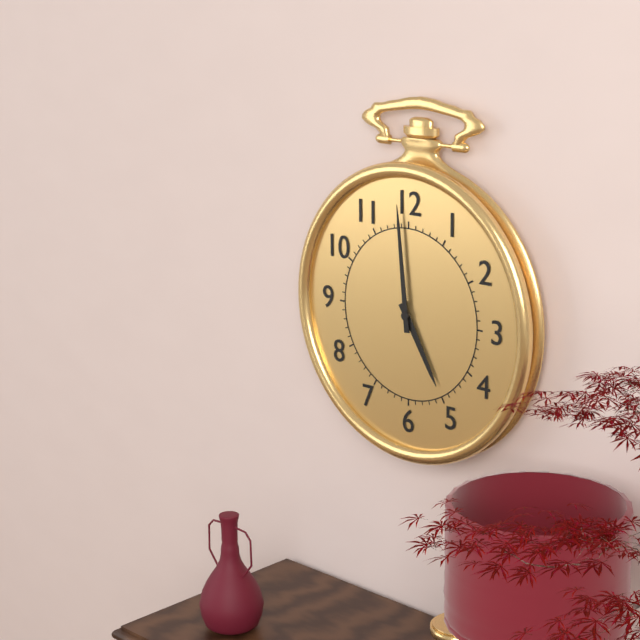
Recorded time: 4:59
